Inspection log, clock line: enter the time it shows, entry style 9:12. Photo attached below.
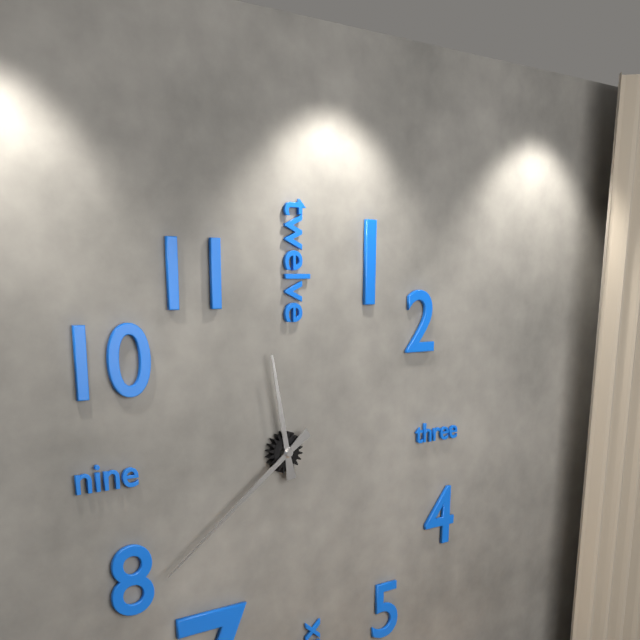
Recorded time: 11:39
